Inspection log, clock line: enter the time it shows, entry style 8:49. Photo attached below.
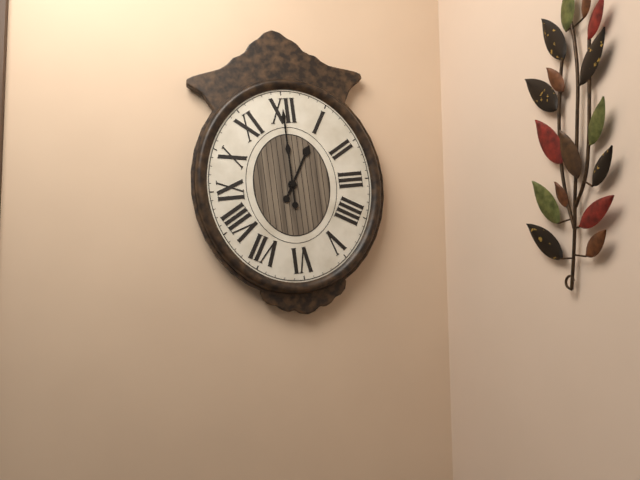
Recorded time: 1:00
